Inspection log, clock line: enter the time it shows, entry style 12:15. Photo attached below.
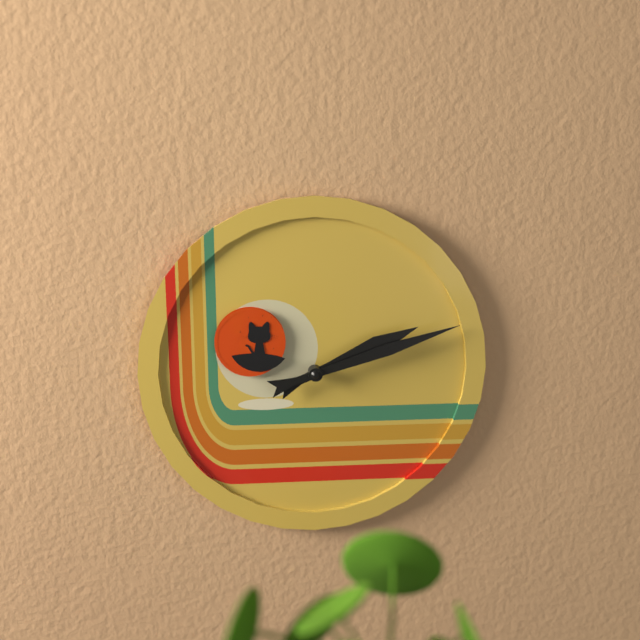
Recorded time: 2:12
